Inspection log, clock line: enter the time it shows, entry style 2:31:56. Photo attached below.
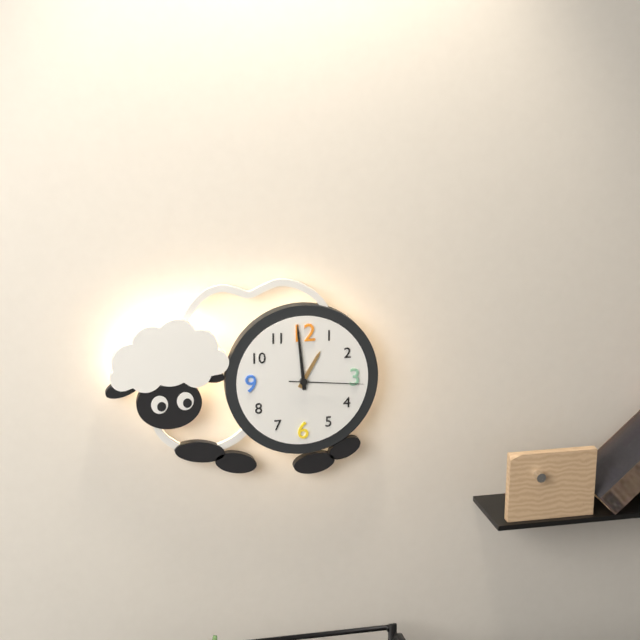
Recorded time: 12:59:16
